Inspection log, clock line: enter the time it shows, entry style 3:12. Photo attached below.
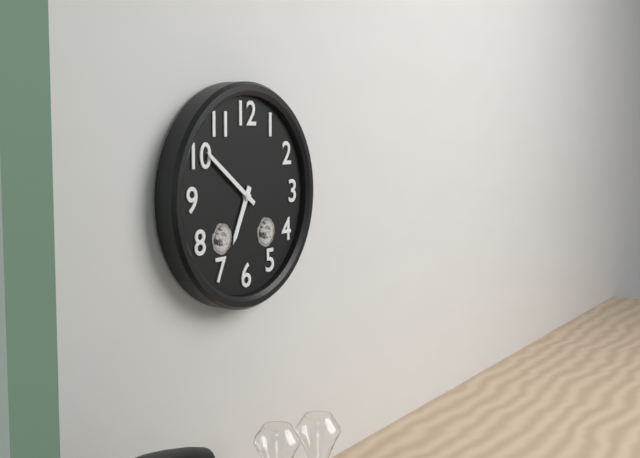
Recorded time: 6:51
